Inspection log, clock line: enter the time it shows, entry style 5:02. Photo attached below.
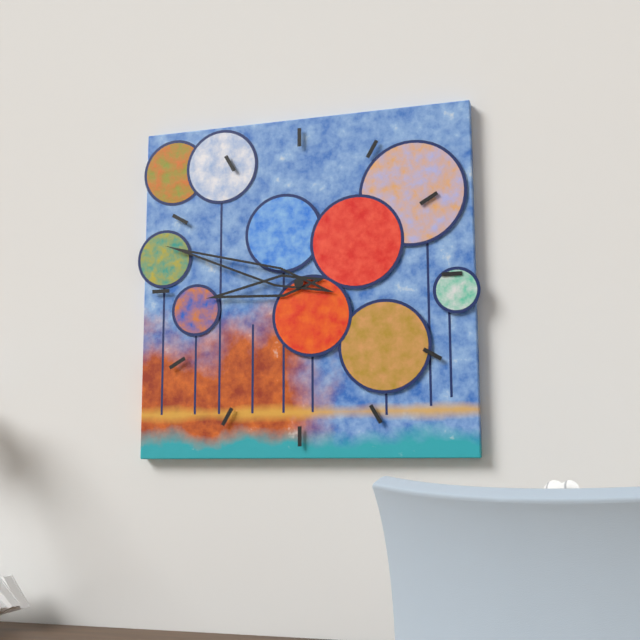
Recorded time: 8:48
